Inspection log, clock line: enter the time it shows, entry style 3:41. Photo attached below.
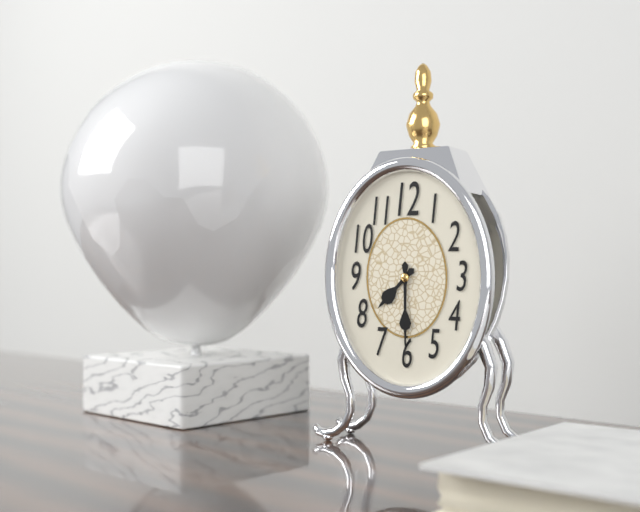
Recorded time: 7:30
